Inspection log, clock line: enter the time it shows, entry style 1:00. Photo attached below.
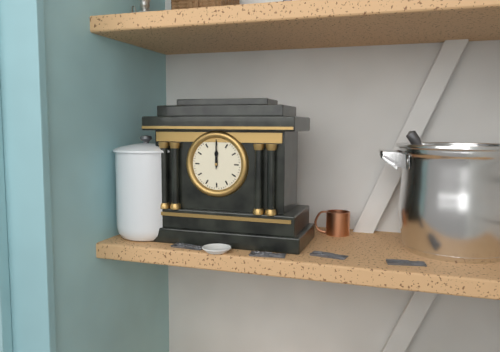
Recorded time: 12:00
